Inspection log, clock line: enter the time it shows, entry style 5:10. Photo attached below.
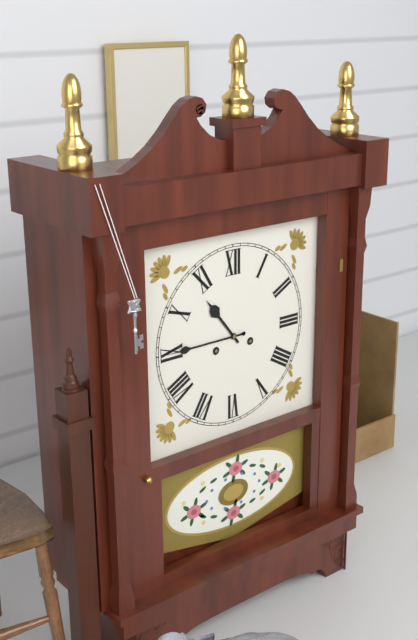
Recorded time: 10:45
